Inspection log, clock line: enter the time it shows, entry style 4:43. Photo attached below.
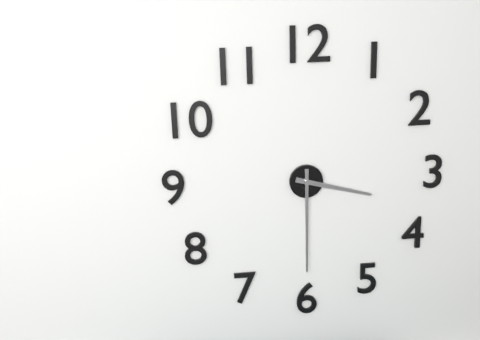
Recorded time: 3:30
